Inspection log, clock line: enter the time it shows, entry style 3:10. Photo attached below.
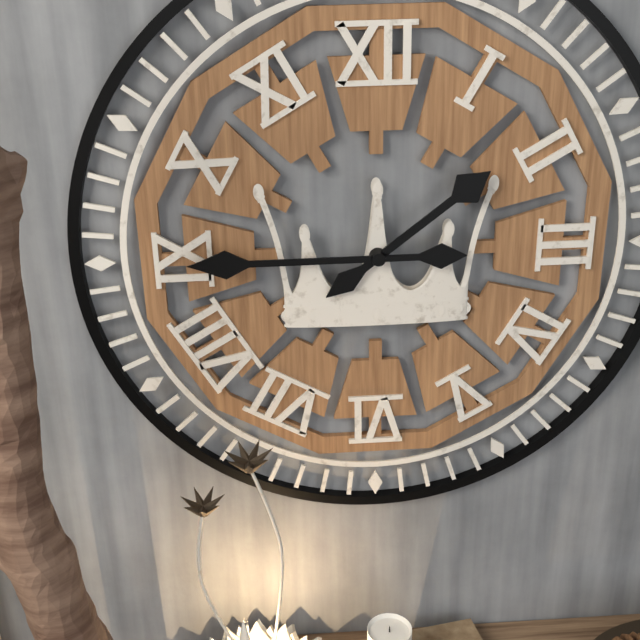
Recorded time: 1:45
